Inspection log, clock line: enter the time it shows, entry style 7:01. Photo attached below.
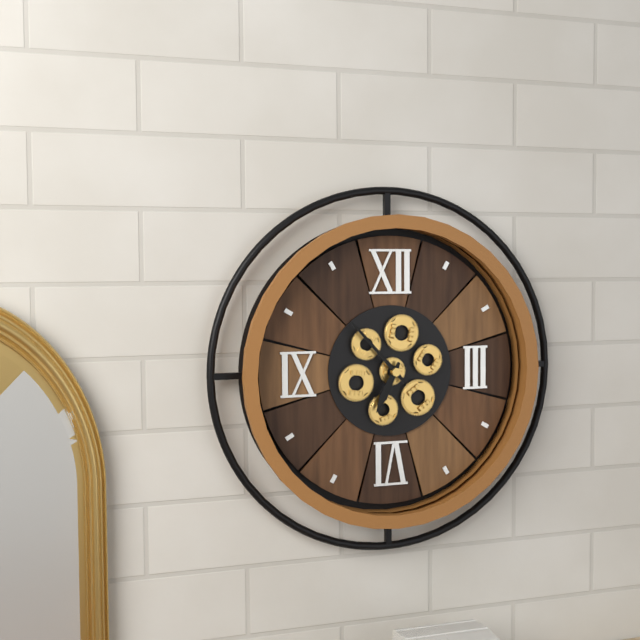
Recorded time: 6:53
